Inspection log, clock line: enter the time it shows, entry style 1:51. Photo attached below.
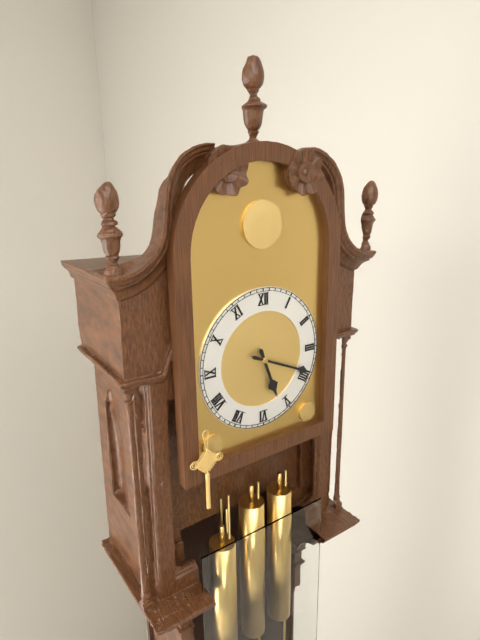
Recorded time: 5:19
